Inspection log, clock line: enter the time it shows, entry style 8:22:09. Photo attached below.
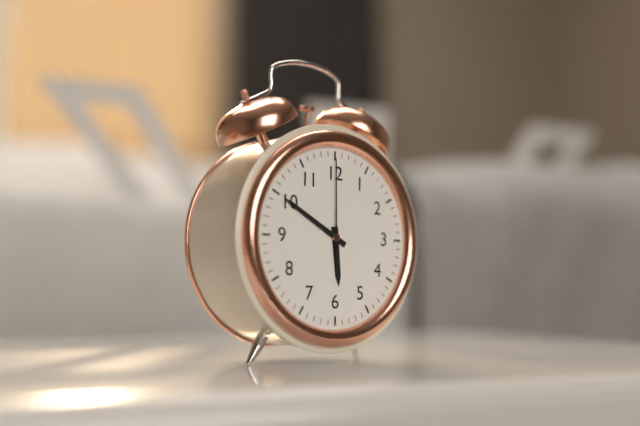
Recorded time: 5:50:00
